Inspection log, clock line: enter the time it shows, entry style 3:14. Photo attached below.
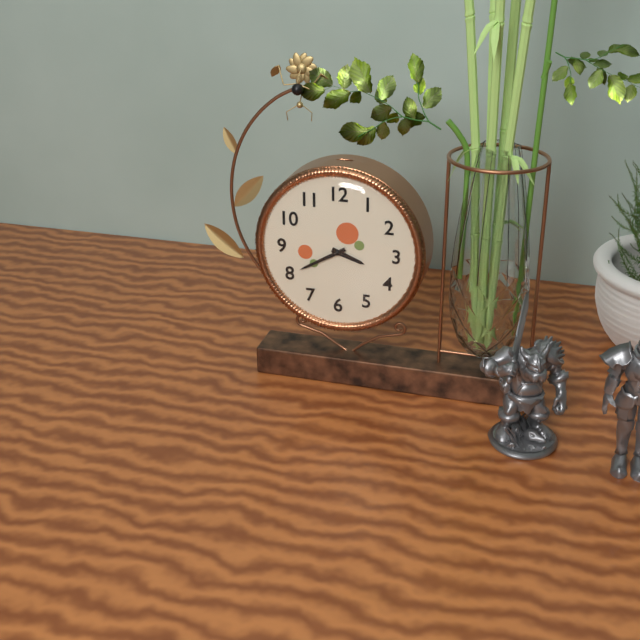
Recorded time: 3:40
